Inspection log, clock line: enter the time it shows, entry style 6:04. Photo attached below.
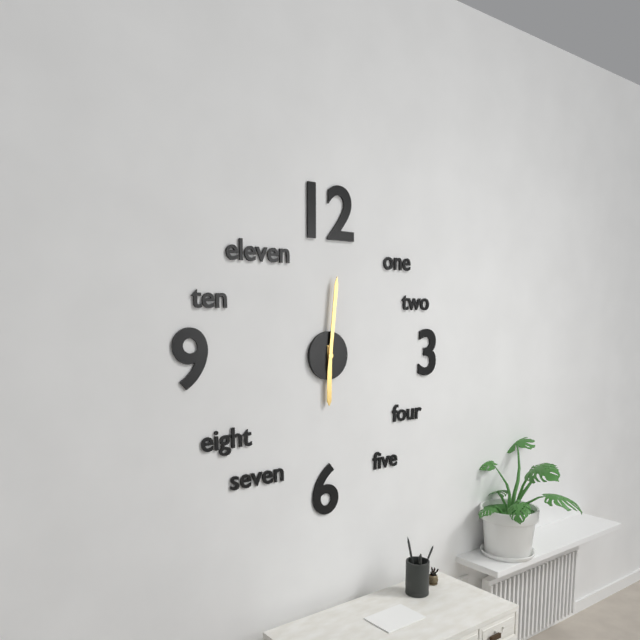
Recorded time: 6:01
